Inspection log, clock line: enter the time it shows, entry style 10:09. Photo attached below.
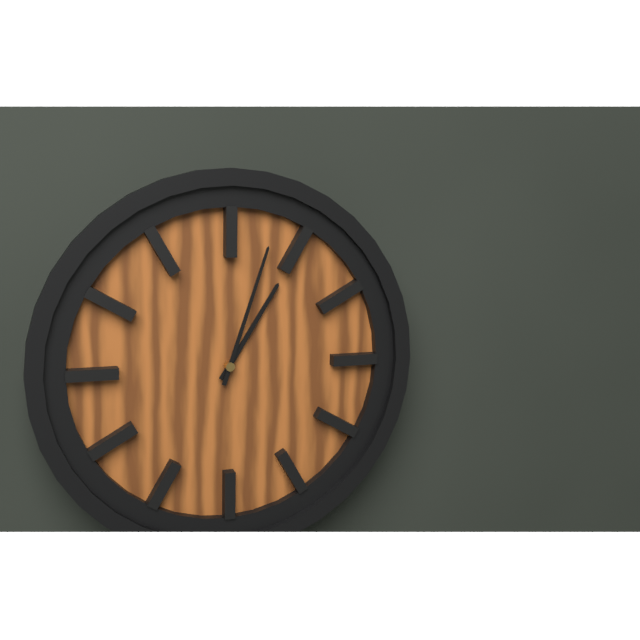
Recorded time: 1:03
